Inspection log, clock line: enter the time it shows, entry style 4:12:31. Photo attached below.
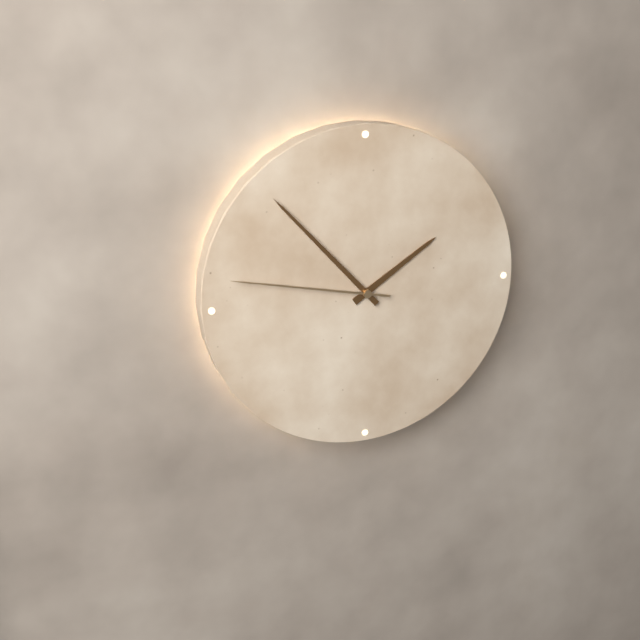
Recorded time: 1:53:47
